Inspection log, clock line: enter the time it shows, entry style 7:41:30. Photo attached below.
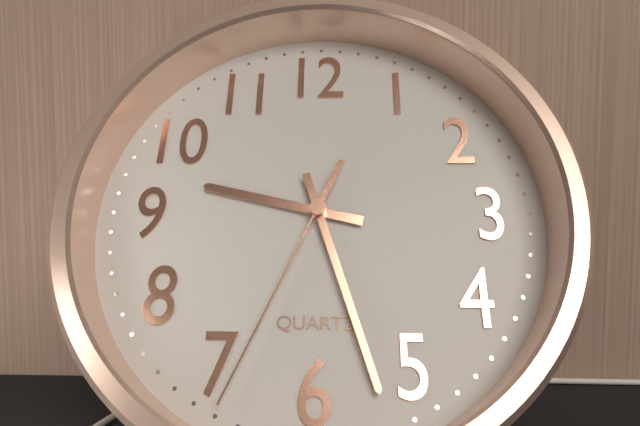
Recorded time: 9:27:34
